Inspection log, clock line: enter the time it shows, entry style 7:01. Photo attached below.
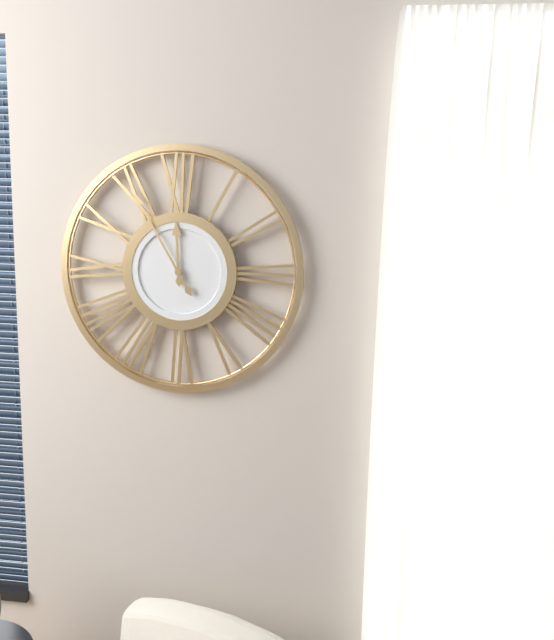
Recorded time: 11:55
